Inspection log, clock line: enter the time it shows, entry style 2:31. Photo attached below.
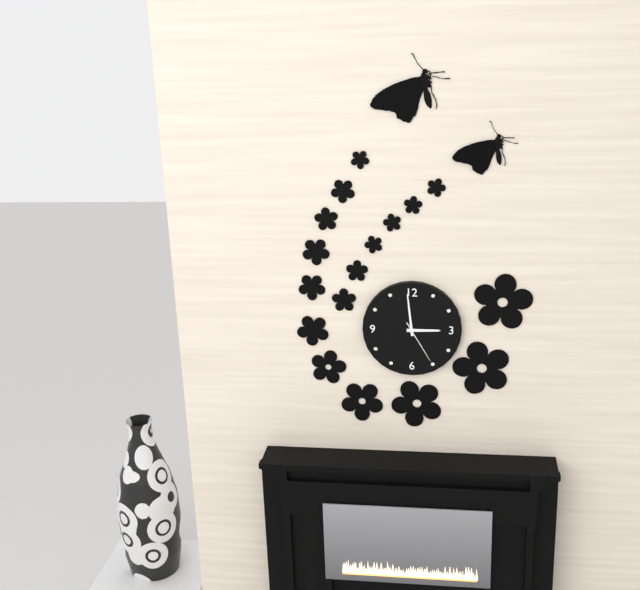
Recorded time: 2:59
